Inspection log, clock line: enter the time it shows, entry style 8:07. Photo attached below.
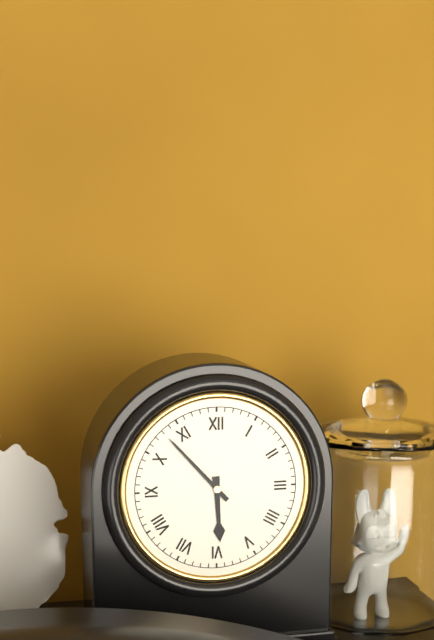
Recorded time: 5:53
